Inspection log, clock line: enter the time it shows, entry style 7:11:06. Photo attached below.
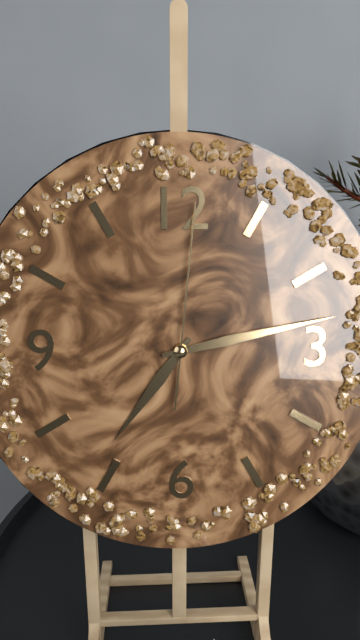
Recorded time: 7:13:01
